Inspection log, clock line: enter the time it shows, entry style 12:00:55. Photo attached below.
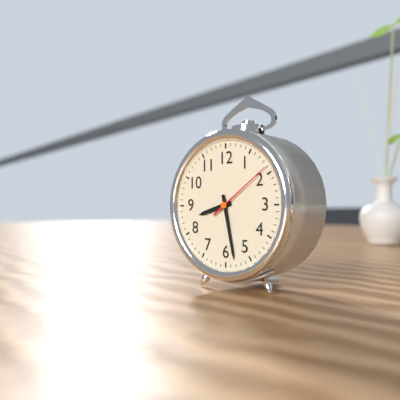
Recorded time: 8:28:09
